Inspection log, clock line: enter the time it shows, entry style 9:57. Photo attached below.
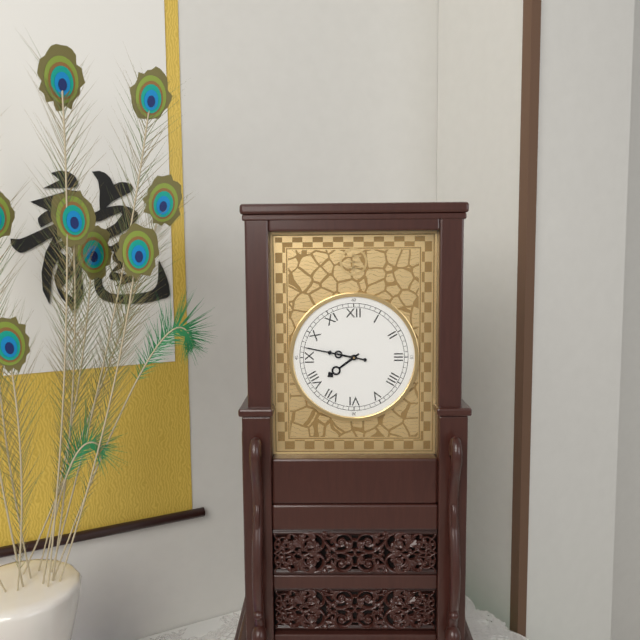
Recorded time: 7:47
